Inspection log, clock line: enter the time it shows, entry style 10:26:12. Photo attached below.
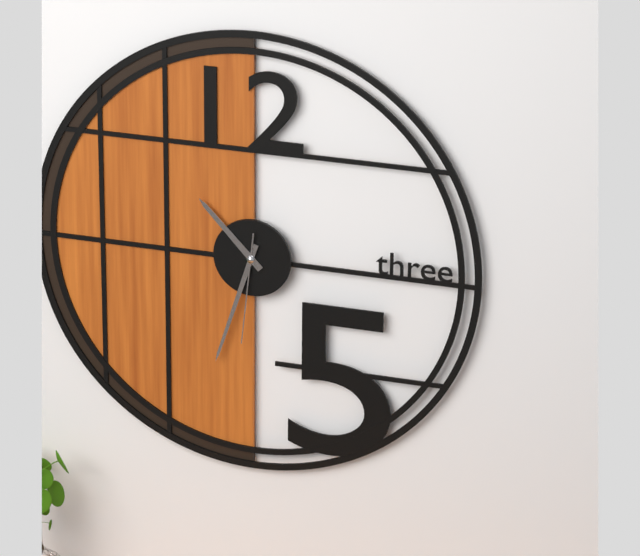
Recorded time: 10:33:31
